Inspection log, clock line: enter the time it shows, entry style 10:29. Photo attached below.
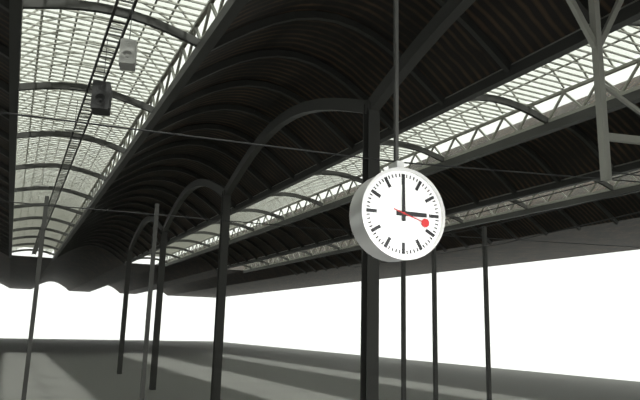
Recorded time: 3:00
